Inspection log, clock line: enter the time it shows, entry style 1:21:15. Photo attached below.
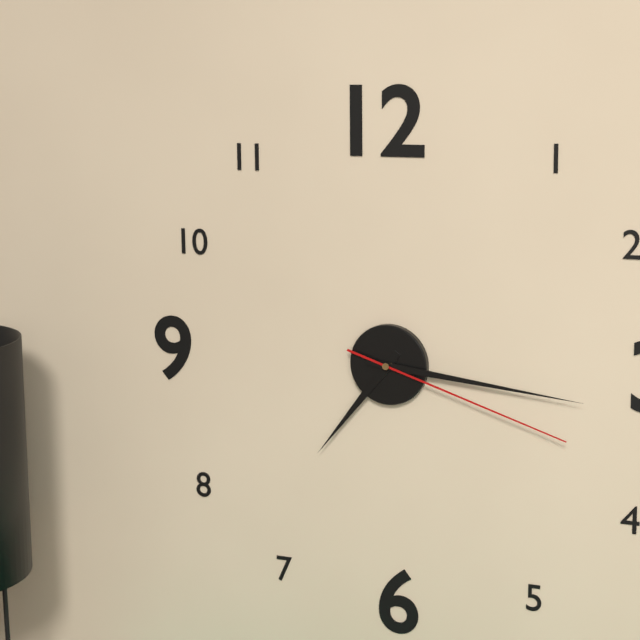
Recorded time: 7:16:18
